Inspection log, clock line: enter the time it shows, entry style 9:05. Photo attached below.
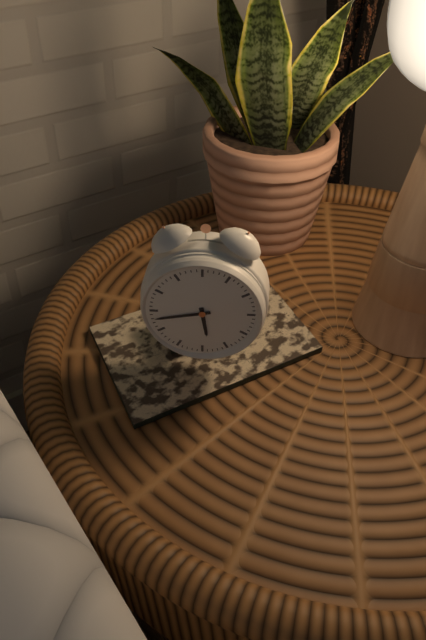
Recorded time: 5:43
